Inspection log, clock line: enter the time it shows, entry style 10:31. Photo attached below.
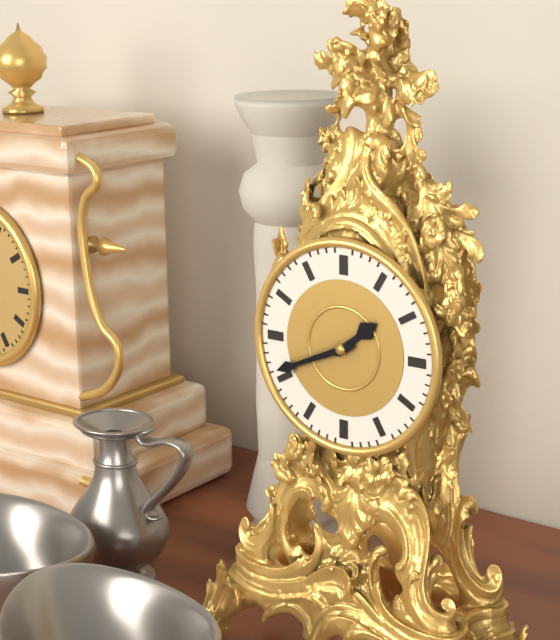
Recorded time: 1:41
